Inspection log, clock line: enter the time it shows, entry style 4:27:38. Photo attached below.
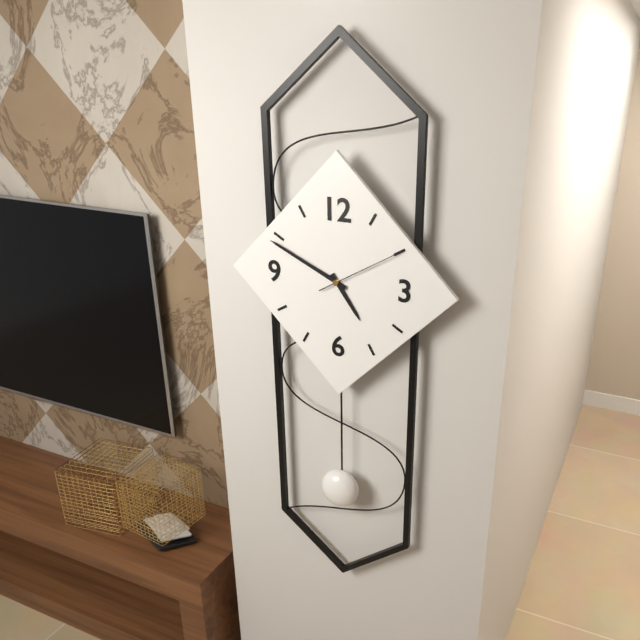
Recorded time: 4:49:10
